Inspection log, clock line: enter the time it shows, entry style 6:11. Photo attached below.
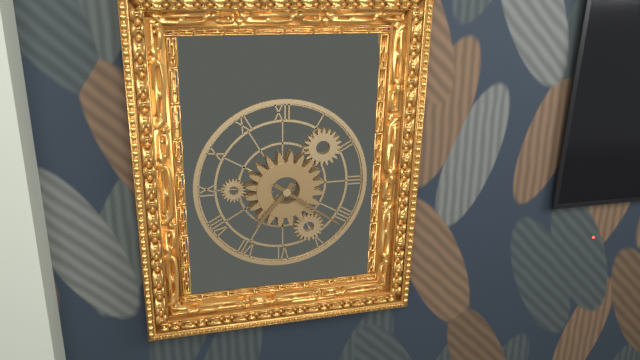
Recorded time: 7:21
